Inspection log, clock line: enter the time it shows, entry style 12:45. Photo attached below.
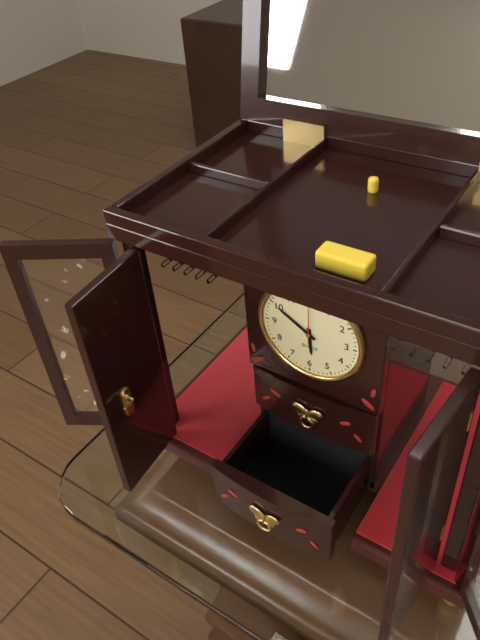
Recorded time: 5:50
